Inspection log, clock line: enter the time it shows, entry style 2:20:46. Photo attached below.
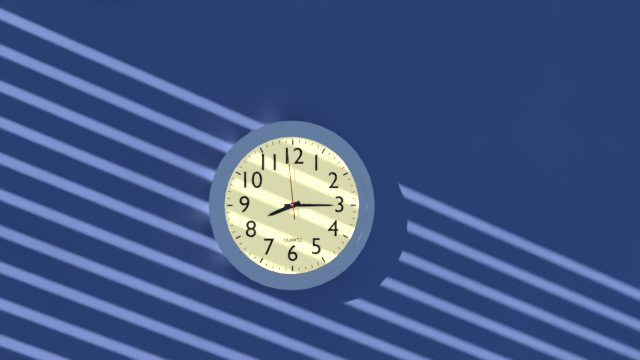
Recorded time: 8:15:59
